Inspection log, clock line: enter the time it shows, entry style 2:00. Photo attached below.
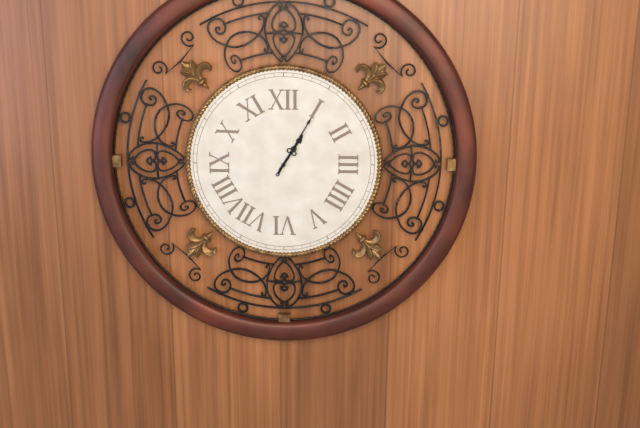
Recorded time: 1:05
